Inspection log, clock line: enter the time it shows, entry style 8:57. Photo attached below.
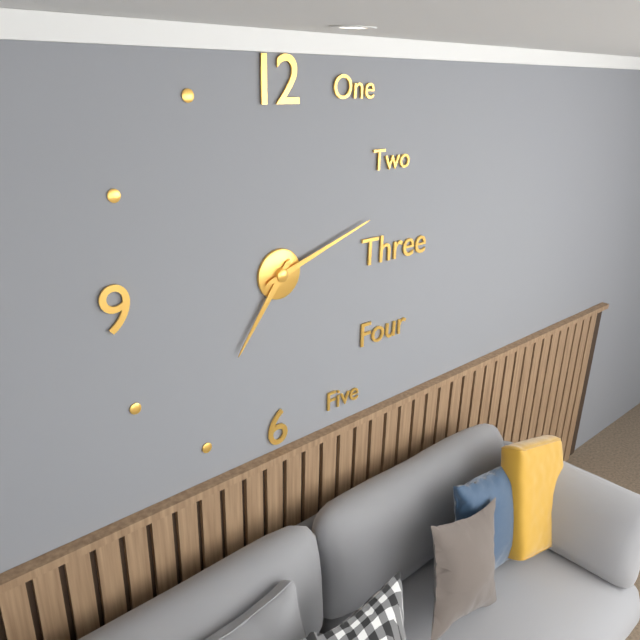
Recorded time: 7:12
